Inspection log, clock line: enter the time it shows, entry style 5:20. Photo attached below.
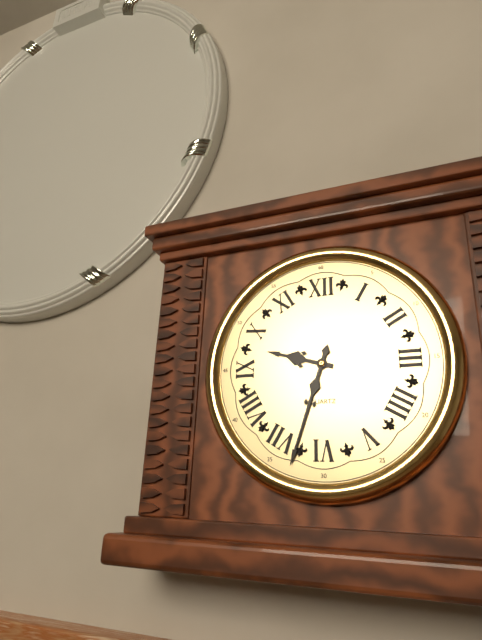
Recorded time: 9:33
